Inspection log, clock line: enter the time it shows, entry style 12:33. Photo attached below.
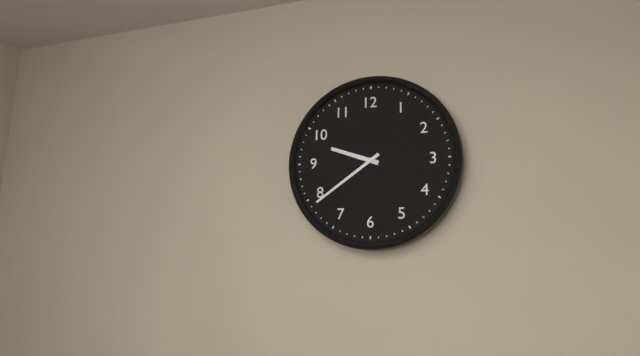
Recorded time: 9:39
